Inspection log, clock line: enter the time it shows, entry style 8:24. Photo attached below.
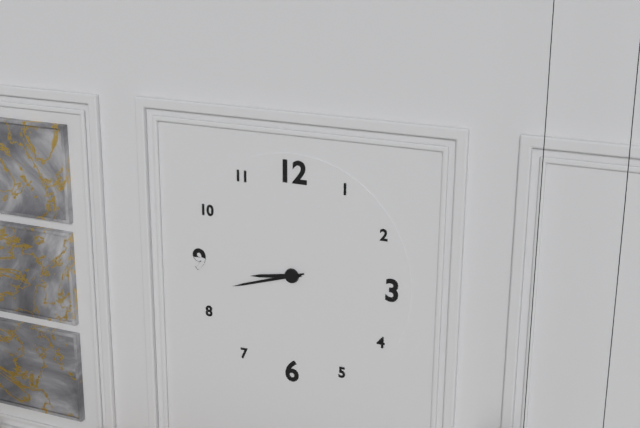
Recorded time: 8:42
